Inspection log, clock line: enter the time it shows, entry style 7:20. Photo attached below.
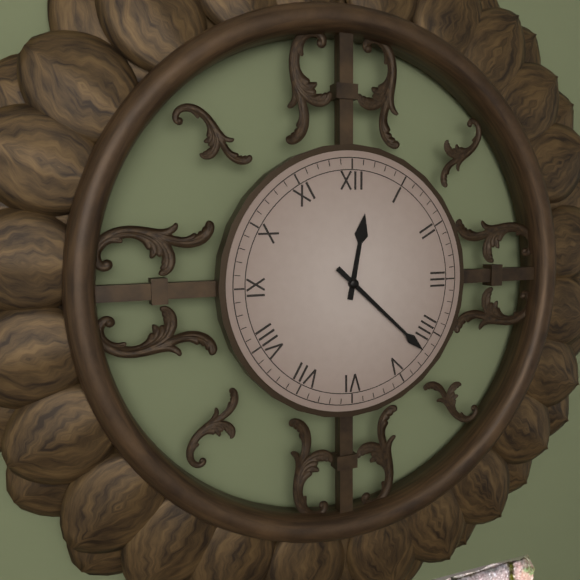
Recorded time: 12:22
